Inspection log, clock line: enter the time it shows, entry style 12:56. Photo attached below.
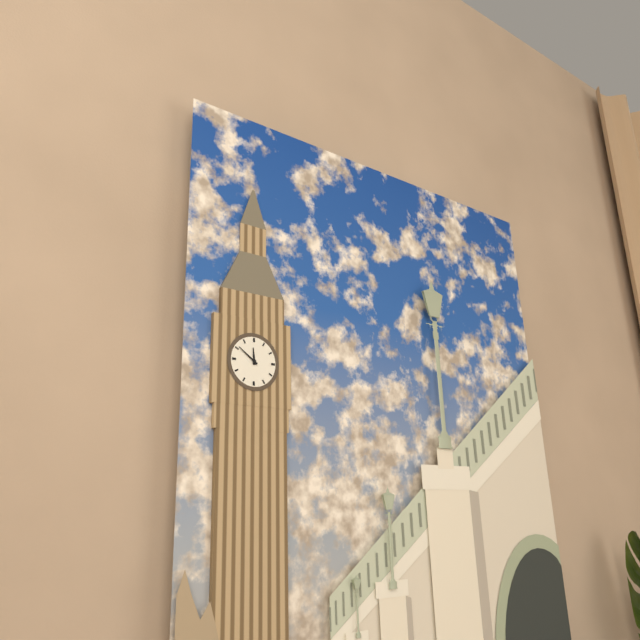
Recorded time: 11:51
